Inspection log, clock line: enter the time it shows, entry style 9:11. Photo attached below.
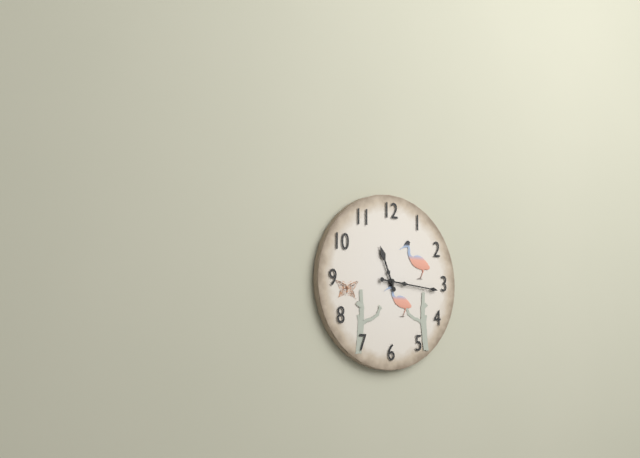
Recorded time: 11:16
